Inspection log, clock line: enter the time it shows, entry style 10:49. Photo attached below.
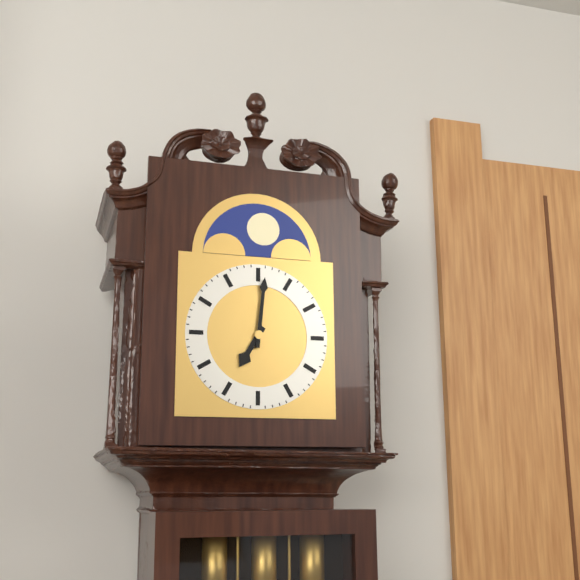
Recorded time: 7:01
